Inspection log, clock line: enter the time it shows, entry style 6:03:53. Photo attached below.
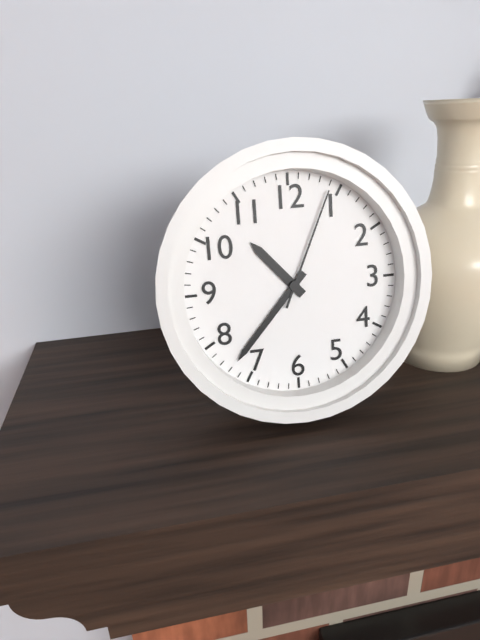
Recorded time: 10:37:04
